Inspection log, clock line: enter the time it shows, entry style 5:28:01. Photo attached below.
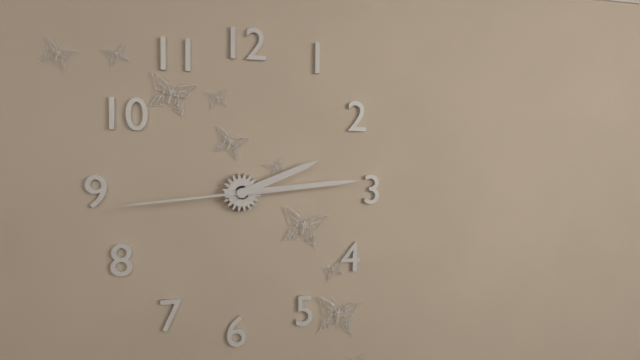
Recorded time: 2:14:44
